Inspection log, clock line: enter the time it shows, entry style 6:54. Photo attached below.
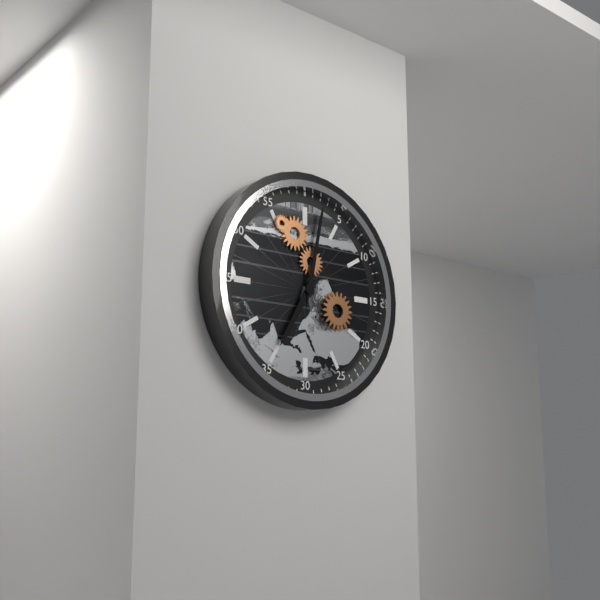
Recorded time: 7:02
